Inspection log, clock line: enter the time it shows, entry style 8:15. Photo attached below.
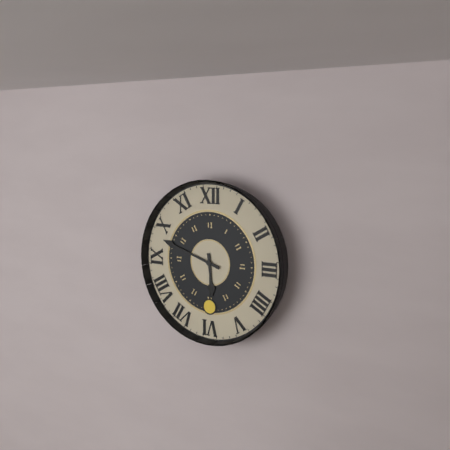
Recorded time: 5:48
